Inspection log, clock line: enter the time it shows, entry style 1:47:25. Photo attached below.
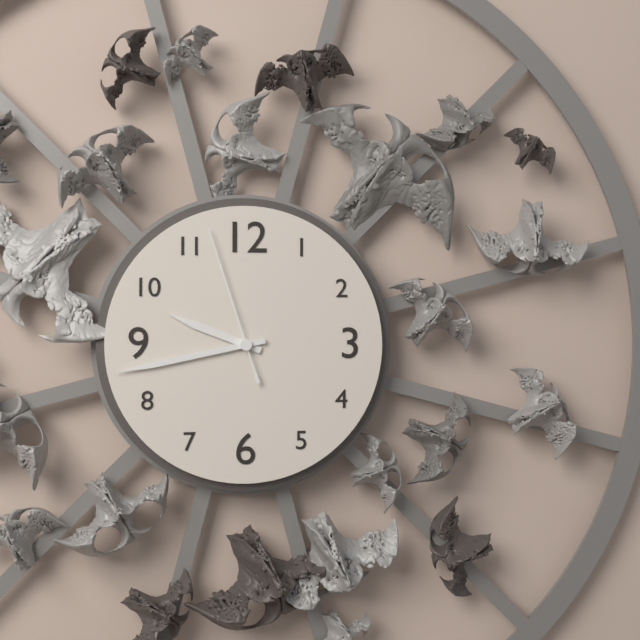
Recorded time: 9:43:57
